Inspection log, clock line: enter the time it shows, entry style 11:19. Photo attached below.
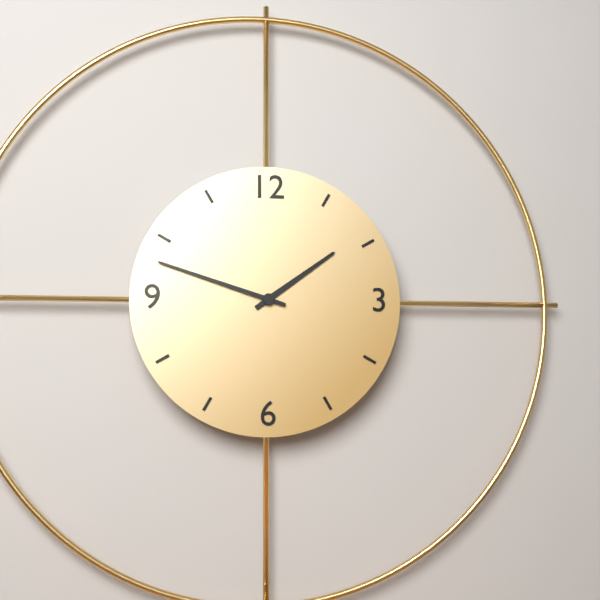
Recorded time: 1:48
